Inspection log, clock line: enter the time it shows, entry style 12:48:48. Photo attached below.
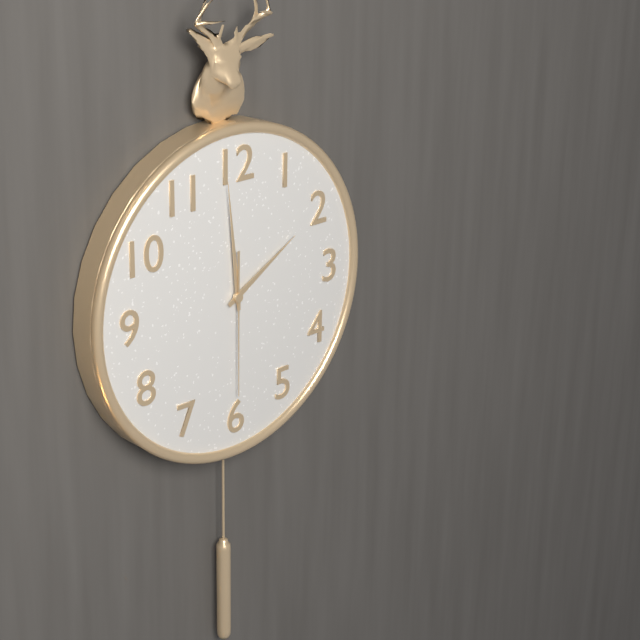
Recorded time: 1:59:30
